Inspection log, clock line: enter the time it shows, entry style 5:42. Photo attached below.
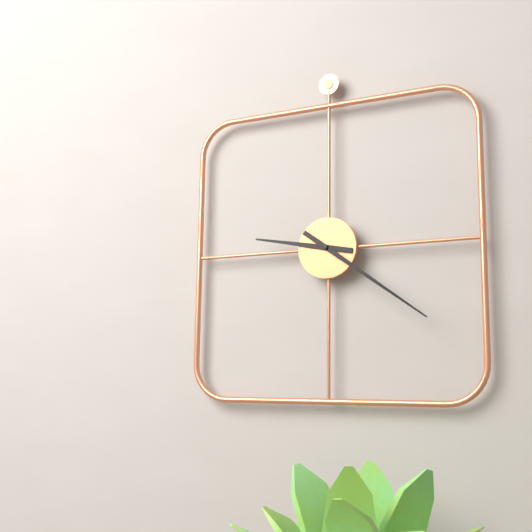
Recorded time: 9:21
